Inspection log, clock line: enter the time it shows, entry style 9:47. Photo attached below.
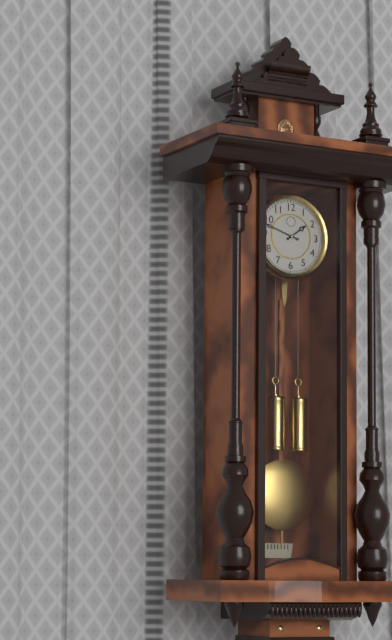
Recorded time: 1:48
